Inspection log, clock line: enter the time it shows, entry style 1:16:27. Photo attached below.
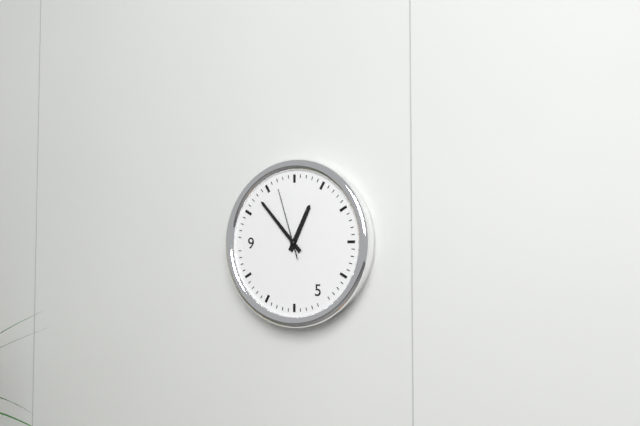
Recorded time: 12:53:57
